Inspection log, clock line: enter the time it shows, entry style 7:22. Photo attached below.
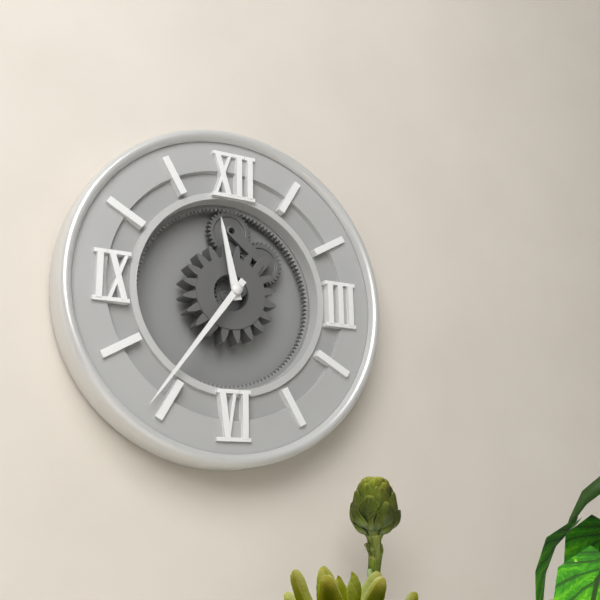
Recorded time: 11:36
